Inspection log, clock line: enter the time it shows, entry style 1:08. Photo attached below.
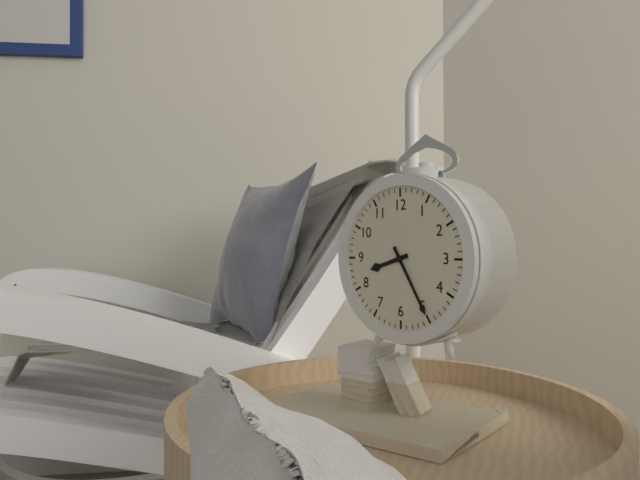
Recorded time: 8:25
